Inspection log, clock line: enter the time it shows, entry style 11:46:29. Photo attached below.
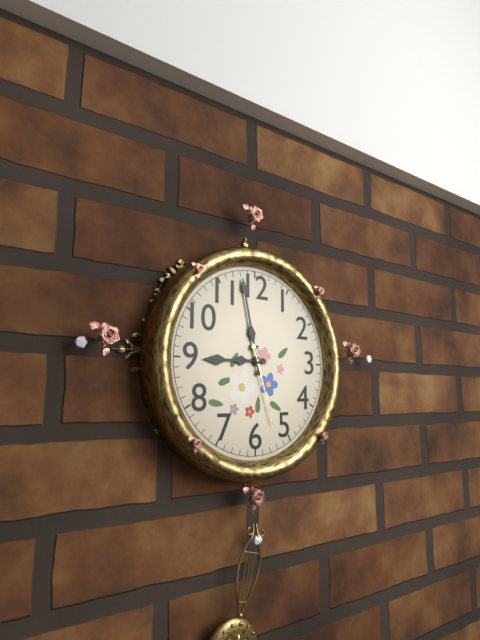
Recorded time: 8:58:27
